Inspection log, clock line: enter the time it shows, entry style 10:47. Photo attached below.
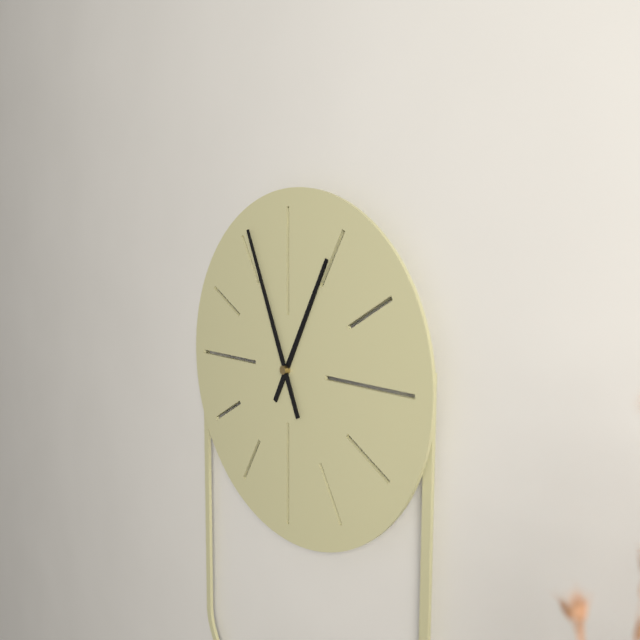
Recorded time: 12:56
